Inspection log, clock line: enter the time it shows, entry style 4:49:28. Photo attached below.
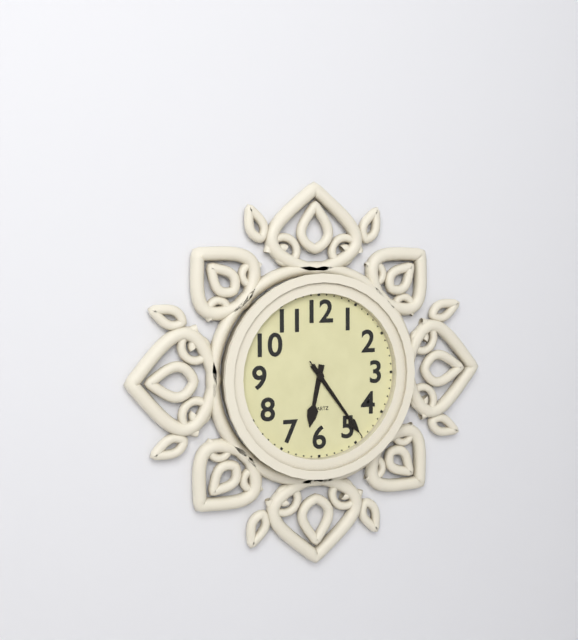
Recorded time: 6:24:24
